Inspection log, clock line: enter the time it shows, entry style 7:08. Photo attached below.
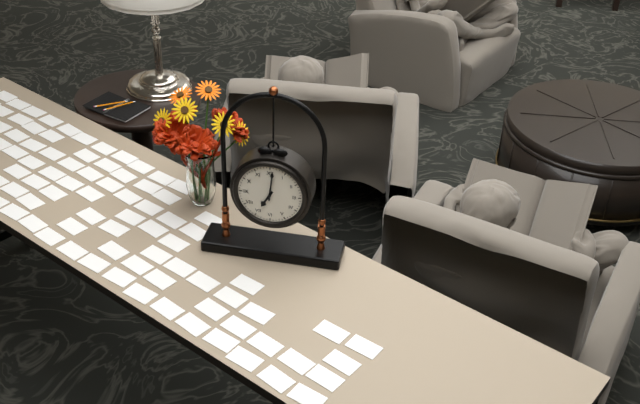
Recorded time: 7:01
